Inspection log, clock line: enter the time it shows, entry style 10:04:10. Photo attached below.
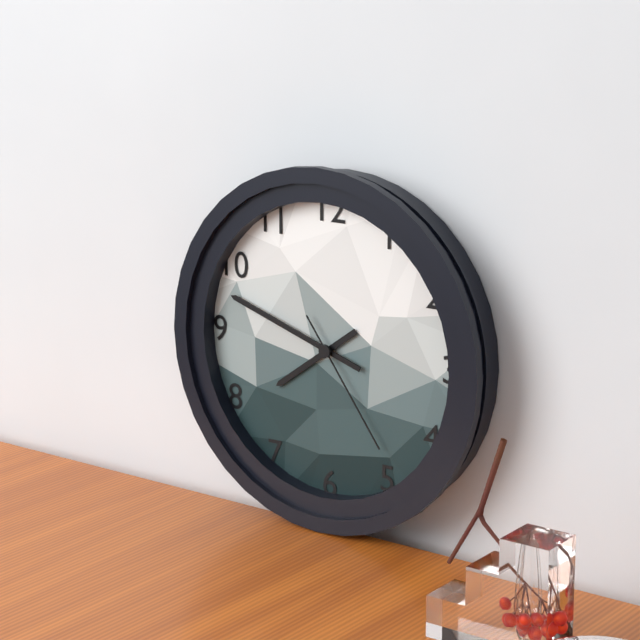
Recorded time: 7:48:24
